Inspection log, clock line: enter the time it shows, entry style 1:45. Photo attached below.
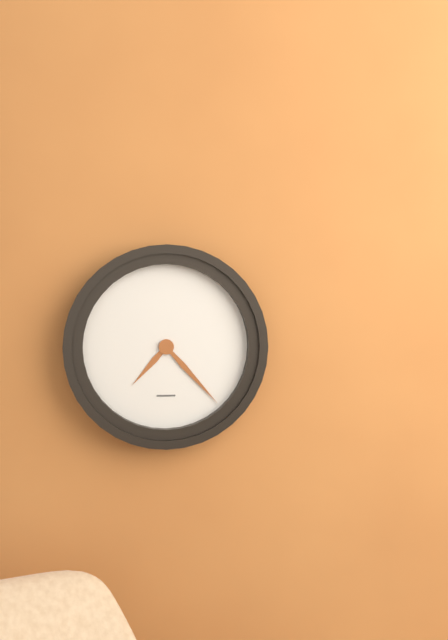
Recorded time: 7:23
